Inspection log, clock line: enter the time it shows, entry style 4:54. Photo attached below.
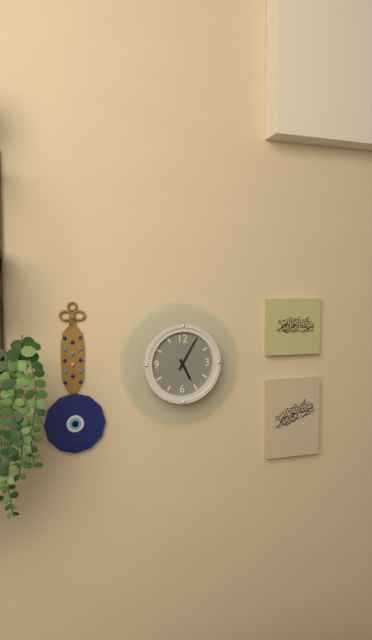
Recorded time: 5:05
